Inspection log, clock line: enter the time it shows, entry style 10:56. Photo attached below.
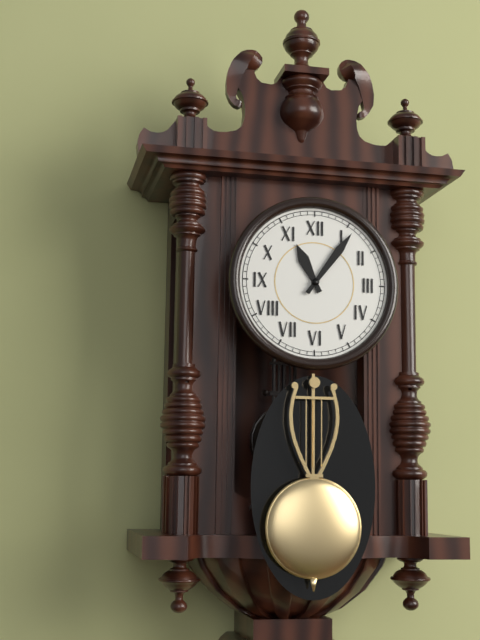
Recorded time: 11:06
